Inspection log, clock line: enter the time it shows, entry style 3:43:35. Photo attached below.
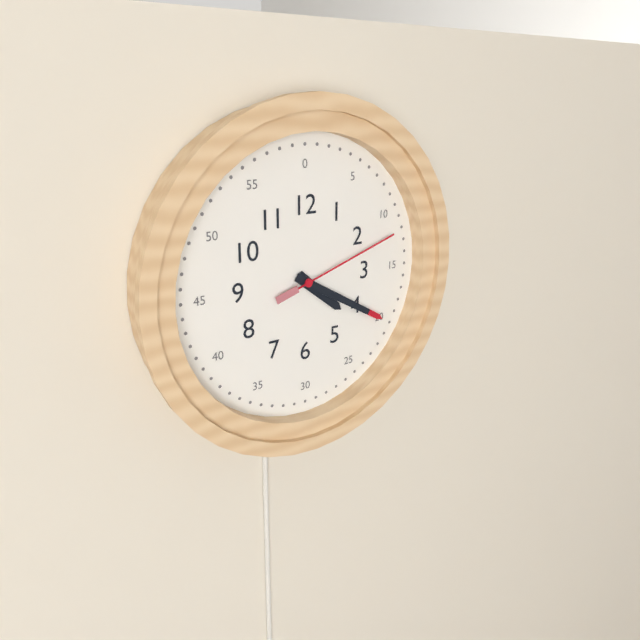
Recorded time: 4:20:12
